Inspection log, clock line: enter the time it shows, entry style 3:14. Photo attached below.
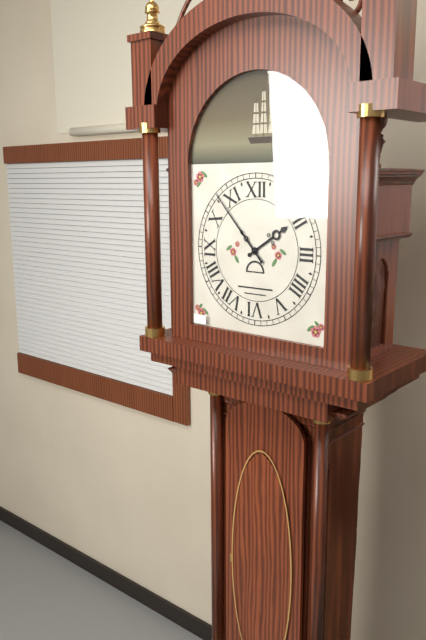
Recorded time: 1:53
